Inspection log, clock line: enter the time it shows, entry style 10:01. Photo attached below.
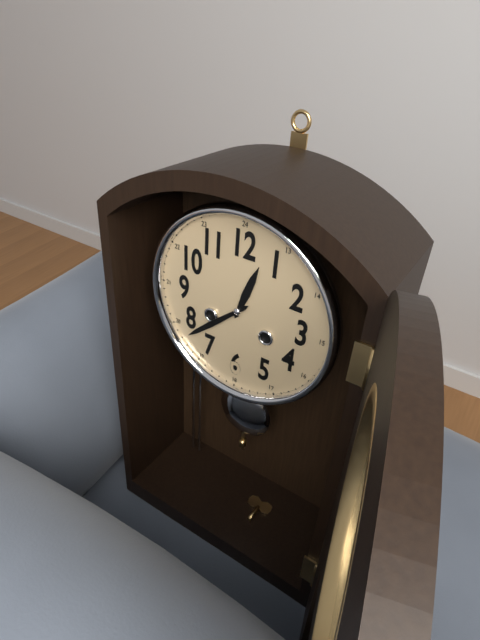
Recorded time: 12:38
